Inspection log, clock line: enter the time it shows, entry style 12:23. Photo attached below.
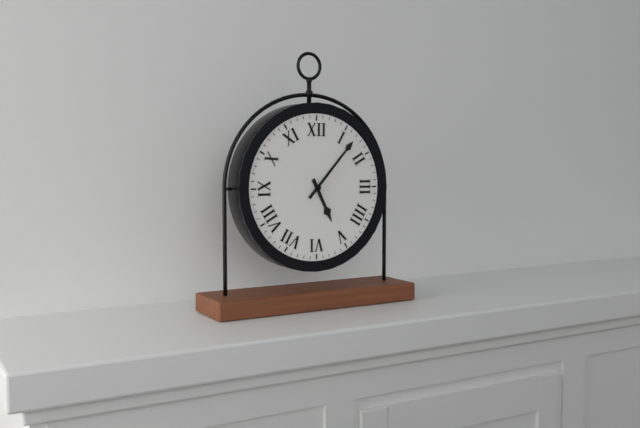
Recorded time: 5:07
